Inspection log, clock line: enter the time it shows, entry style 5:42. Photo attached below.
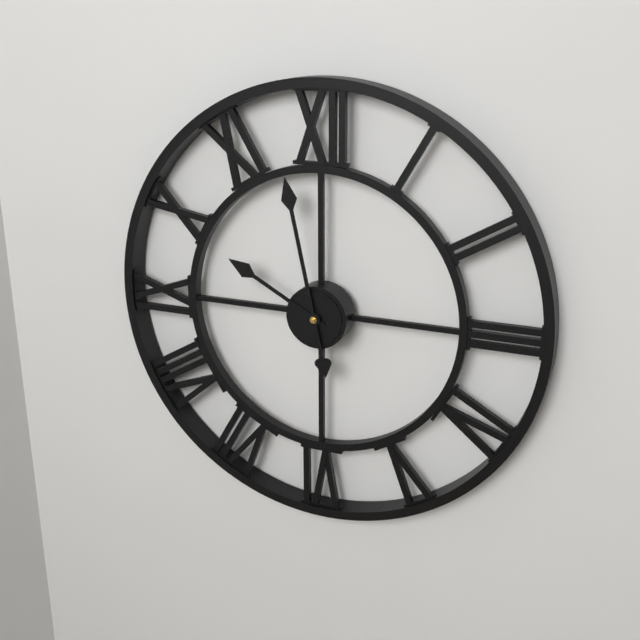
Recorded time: 9:58
